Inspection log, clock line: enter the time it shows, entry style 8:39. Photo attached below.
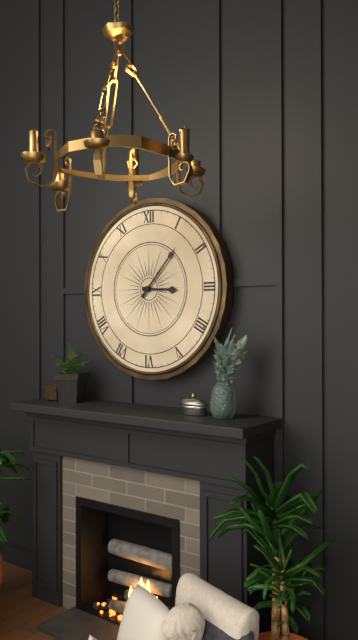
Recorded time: 3:07
